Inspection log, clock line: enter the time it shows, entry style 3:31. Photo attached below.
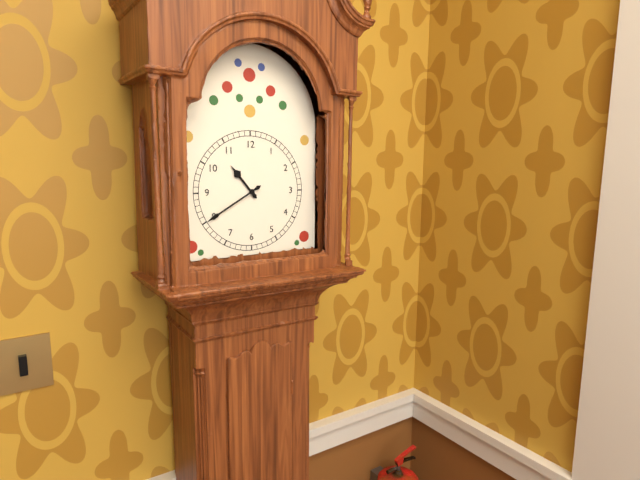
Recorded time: 10:40
